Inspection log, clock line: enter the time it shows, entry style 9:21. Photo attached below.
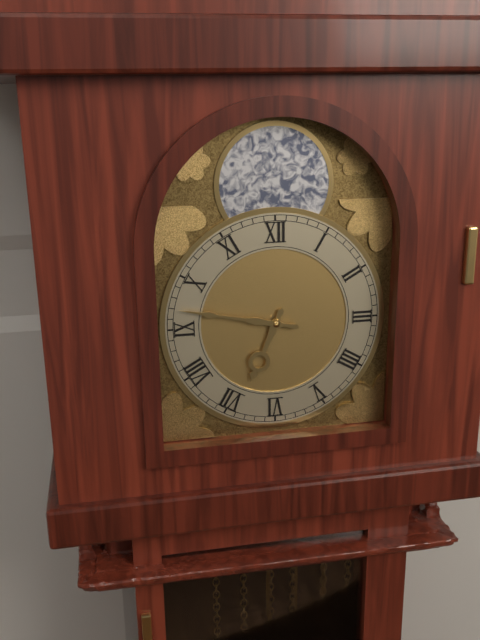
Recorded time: 6:47
